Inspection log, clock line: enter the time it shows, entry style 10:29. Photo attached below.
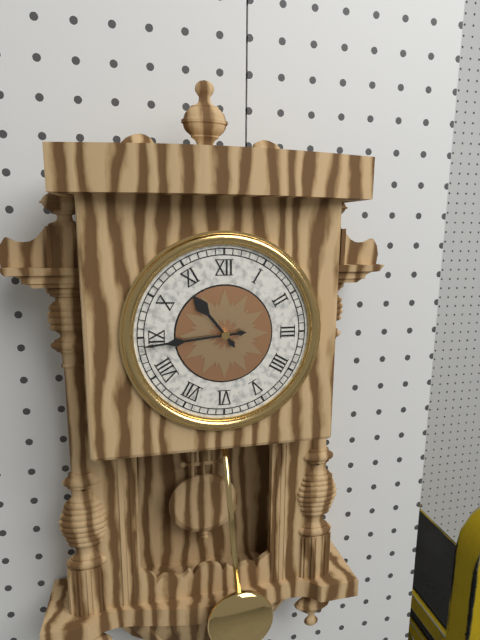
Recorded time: 10:44
